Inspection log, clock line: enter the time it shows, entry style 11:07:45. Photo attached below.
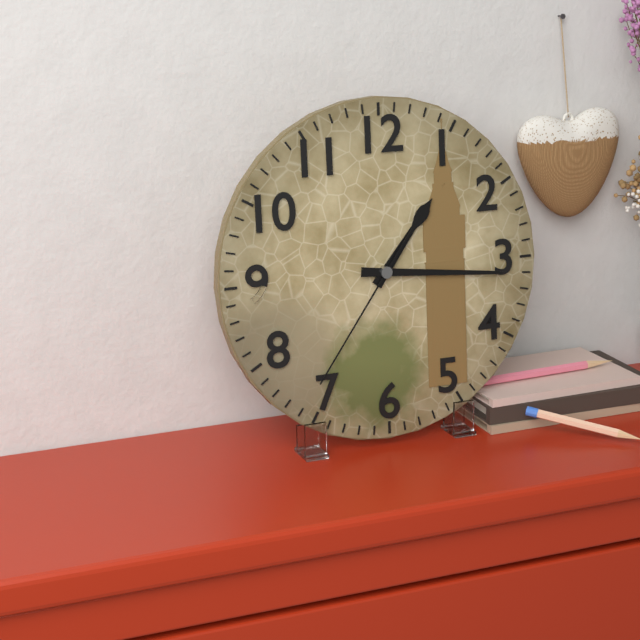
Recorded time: 1:16:36
